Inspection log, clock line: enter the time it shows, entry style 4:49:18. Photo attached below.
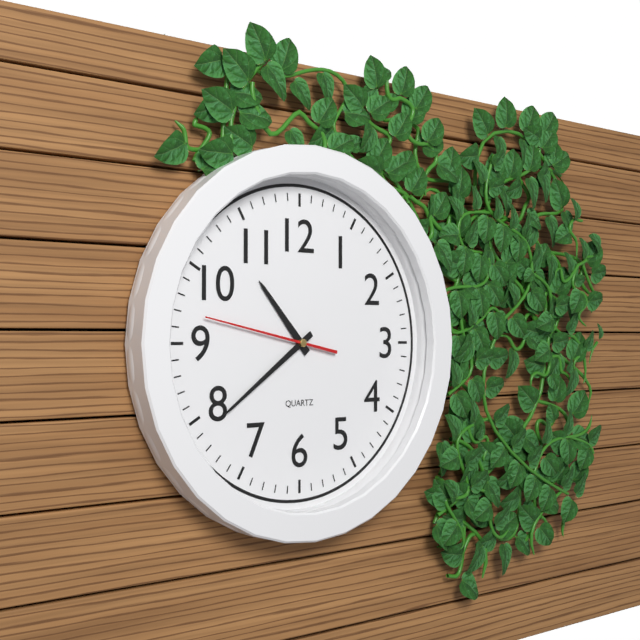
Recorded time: 10:39:47
